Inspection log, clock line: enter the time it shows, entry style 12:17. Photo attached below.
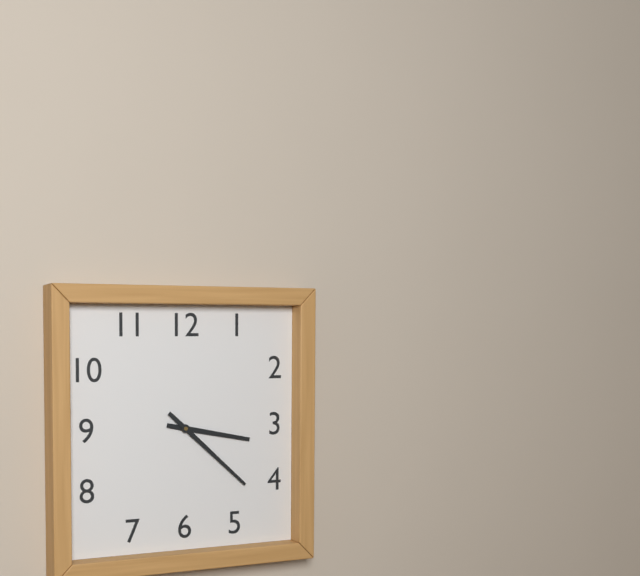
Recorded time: 3:22
